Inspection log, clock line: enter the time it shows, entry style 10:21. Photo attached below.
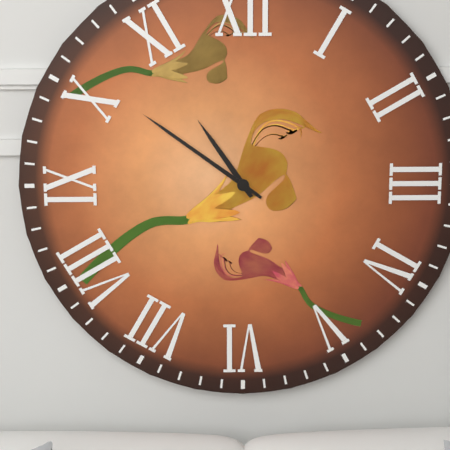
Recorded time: 10:51
